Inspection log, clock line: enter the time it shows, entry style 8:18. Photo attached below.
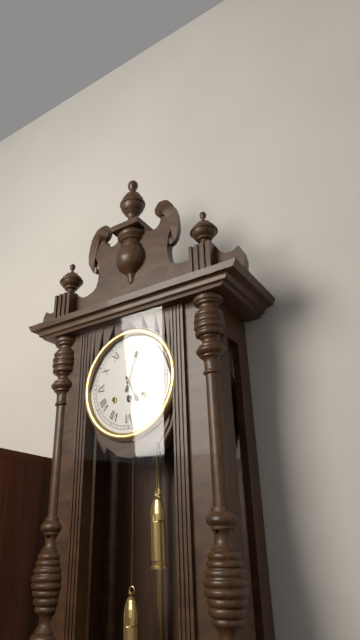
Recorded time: 5:03
